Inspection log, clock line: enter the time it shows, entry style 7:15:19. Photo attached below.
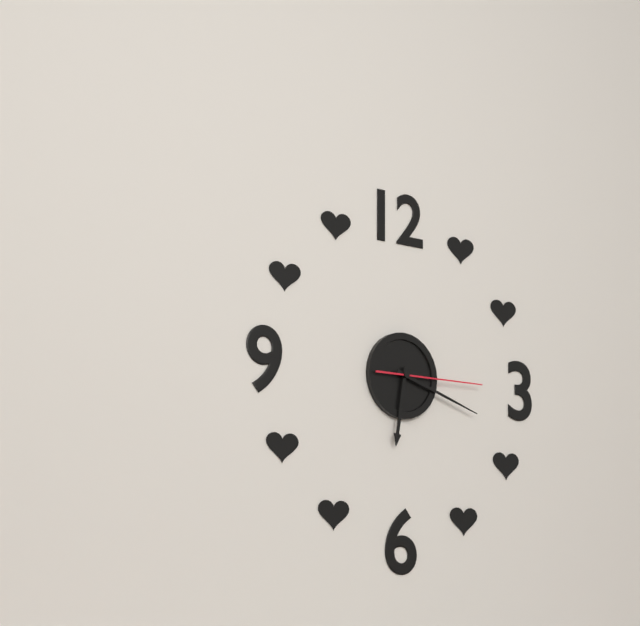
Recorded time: 6:18:15
